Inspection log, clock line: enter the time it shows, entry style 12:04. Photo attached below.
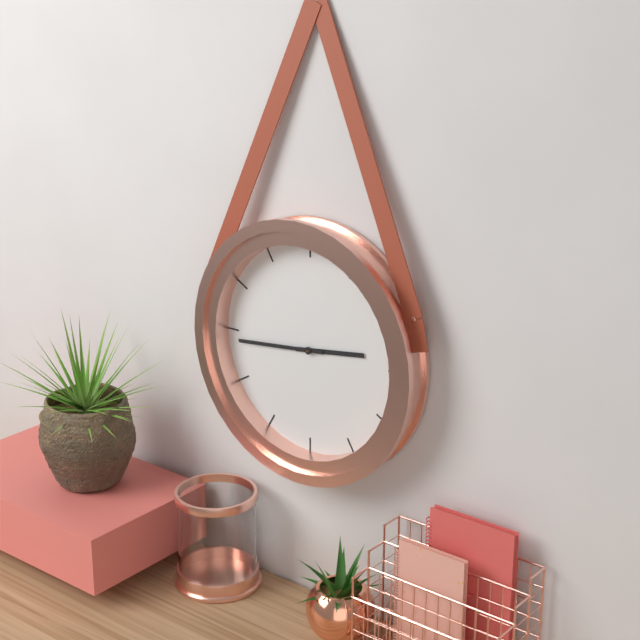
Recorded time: 2:44
